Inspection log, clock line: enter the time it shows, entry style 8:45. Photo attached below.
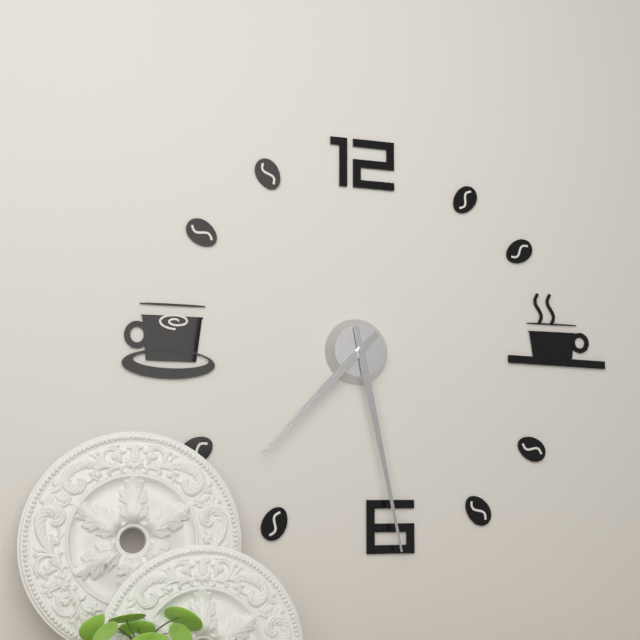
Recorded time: 7:28
